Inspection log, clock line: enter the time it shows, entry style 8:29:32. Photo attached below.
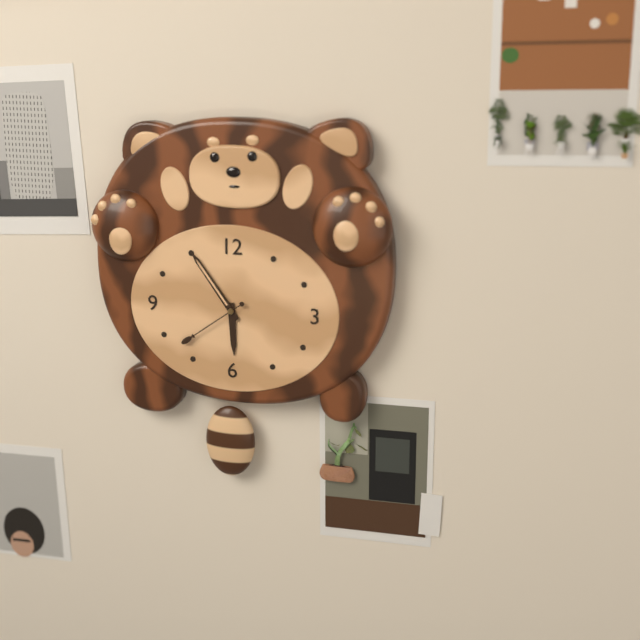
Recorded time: 5:54:39
